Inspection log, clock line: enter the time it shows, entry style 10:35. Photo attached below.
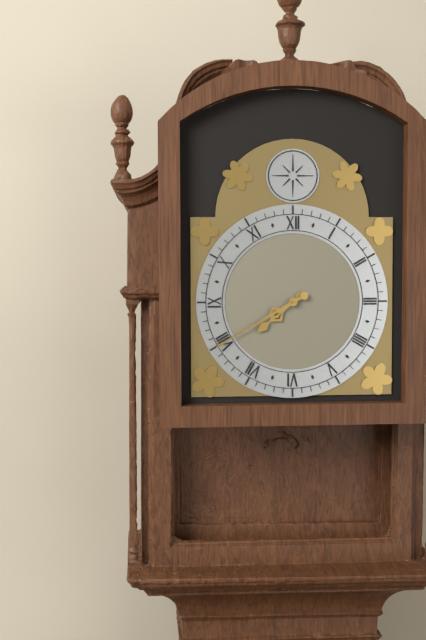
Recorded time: 7:40
